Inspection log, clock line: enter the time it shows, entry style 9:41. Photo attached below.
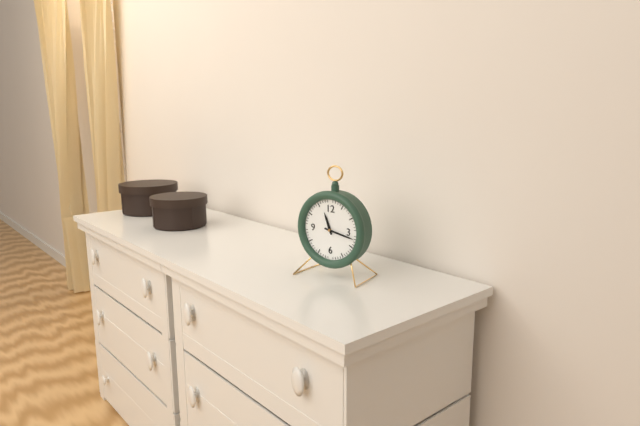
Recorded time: 11:17
